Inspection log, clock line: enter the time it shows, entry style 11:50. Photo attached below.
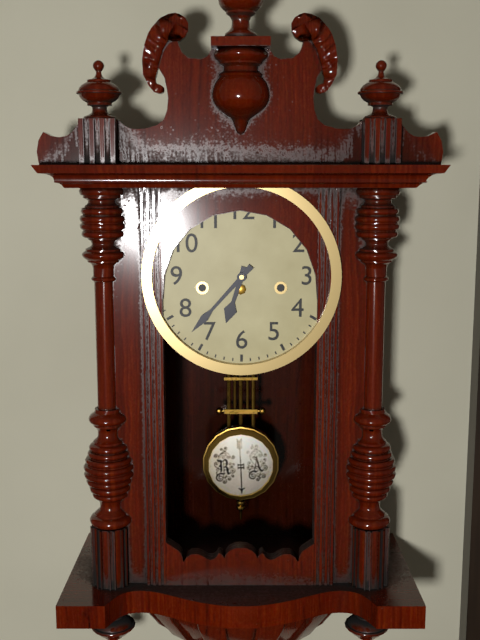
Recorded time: 6:37
